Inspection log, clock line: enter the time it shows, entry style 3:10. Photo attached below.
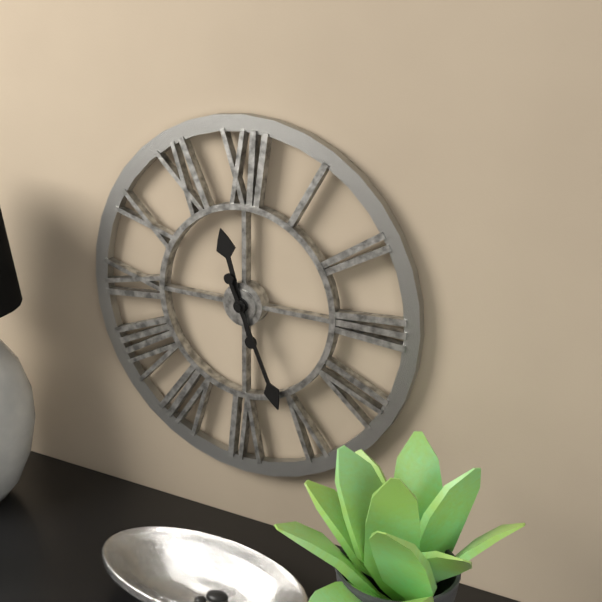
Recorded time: 11:26
